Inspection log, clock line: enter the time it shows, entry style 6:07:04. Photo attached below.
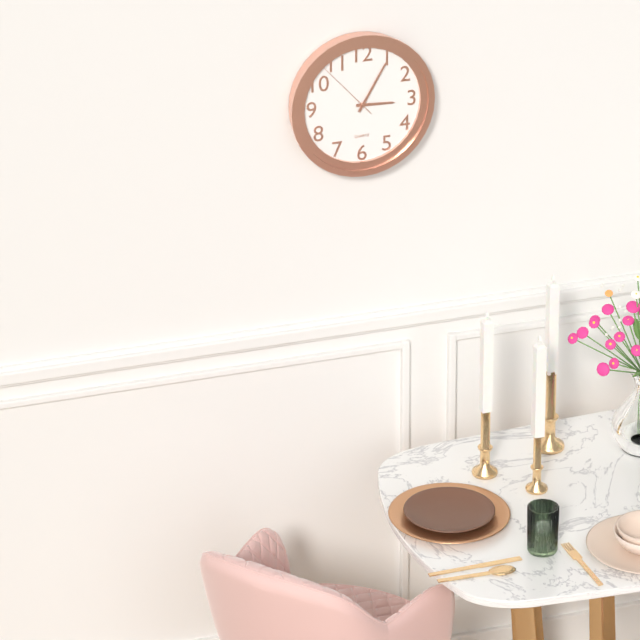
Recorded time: 3:05:53
